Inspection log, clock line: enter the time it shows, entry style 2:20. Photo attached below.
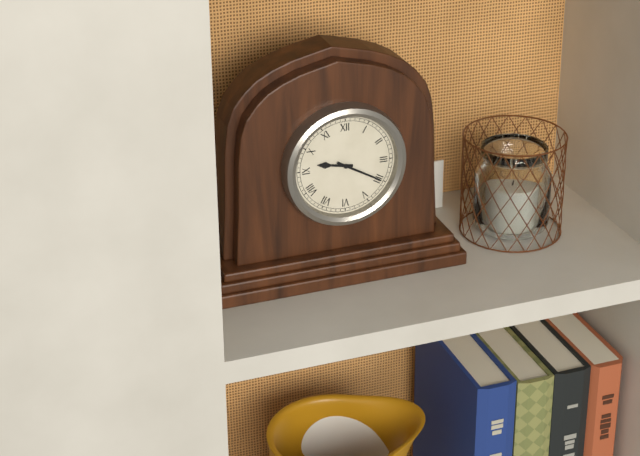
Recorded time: 9:20
